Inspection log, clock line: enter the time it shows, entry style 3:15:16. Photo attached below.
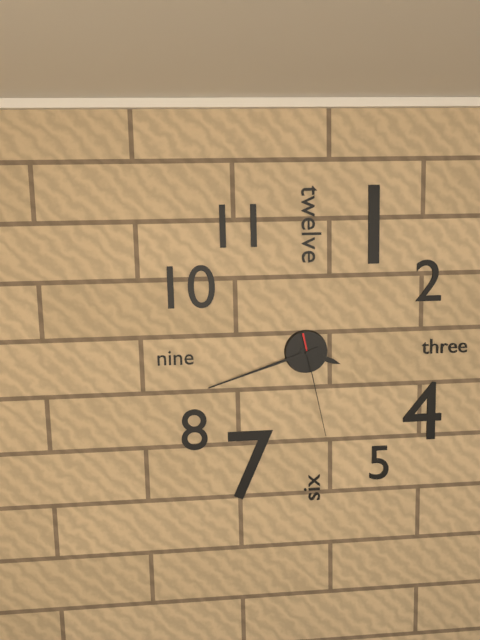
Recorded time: 3:42:28
